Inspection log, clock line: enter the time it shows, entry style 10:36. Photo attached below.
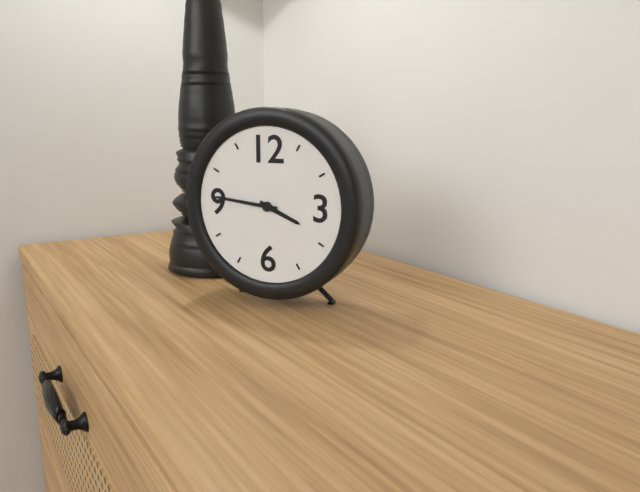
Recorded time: 3:46
